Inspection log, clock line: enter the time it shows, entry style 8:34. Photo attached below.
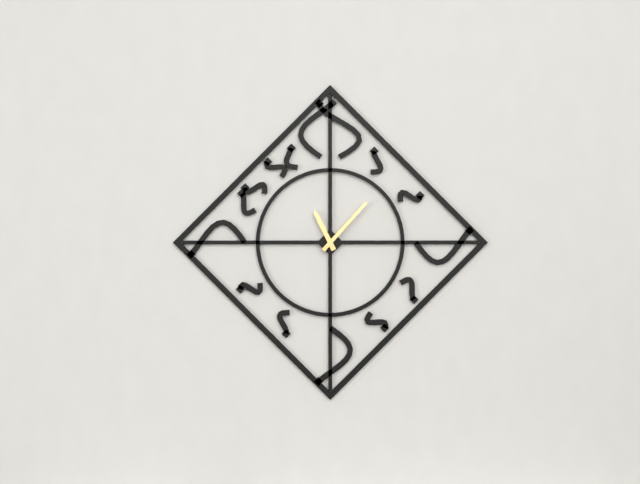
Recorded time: 11:07
